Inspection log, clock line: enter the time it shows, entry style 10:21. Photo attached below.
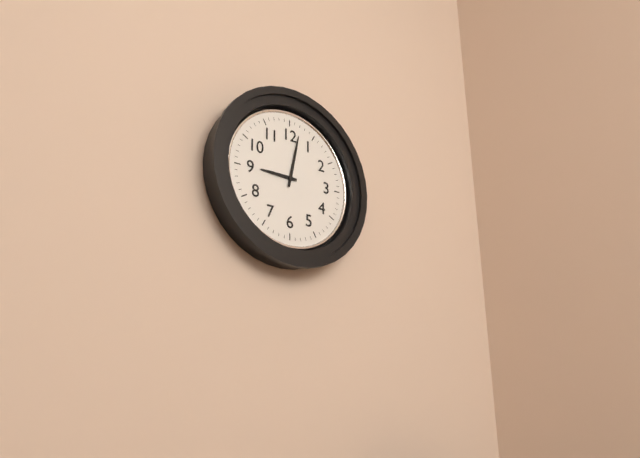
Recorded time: 9:02
